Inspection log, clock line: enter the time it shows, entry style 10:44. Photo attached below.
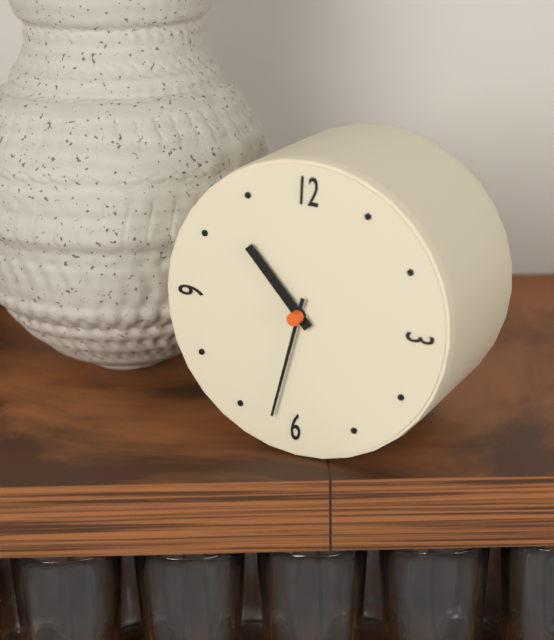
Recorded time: 10:32
